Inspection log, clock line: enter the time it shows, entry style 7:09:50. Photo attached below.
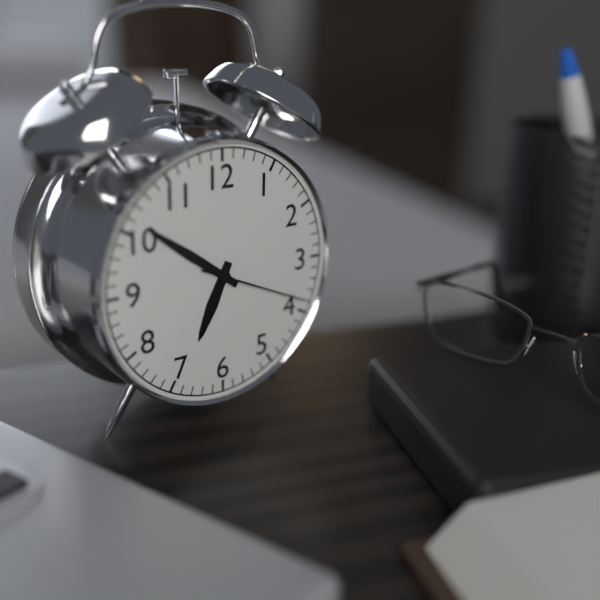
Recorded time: 6:51:19
